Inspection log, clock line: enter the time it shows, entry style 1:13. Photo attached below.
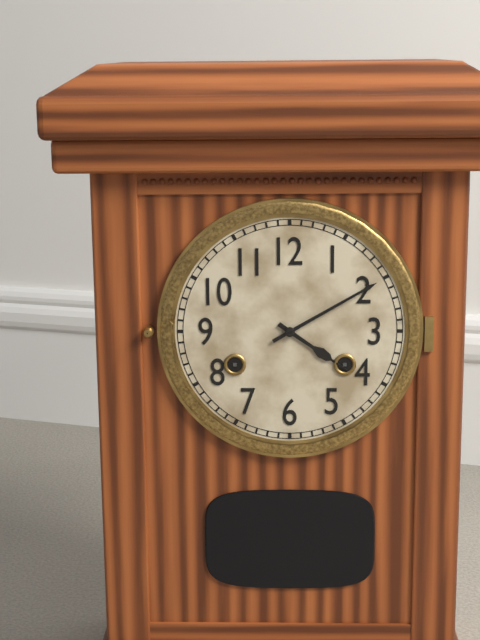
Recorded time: 4:10
